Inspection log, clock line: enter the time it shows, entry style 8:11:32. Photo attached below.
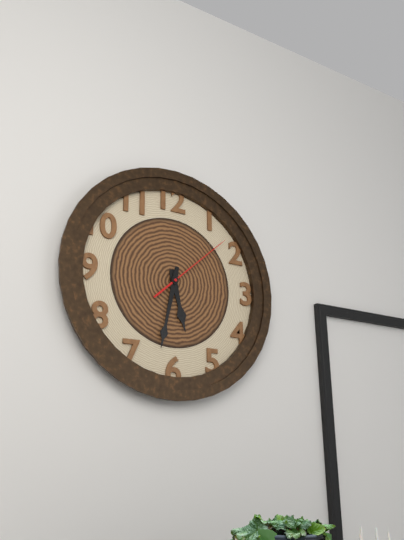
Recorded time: 5:32:08
